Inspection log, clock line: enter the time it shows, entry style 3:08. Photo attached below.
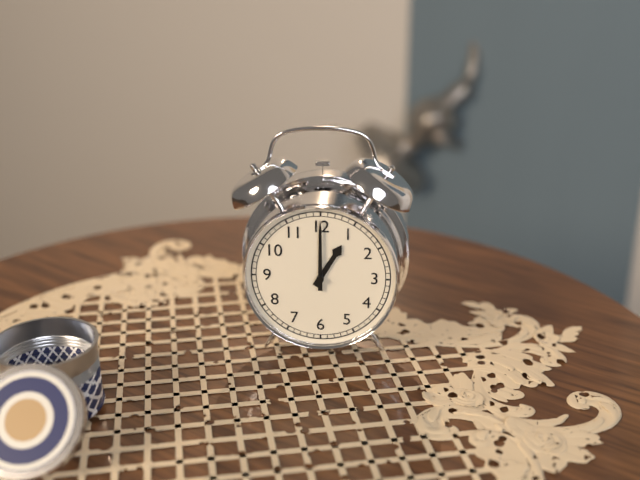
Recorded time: 1:00
